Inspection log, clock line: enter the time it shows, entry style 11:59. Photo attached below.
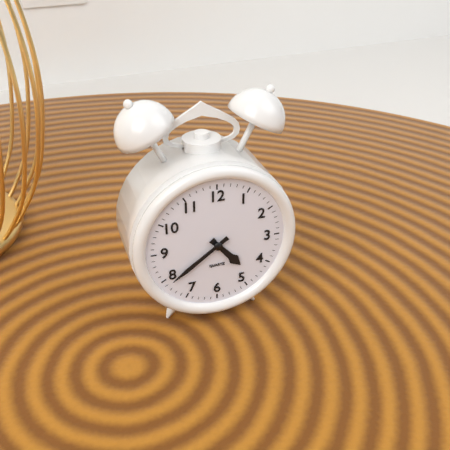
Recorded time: 4:39
